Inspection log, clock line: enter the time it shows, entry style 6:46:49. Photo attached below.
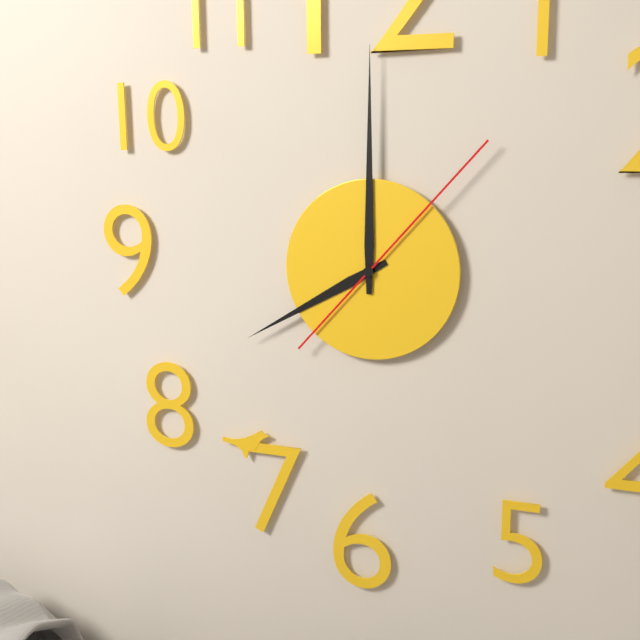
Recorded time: 8:00:07
